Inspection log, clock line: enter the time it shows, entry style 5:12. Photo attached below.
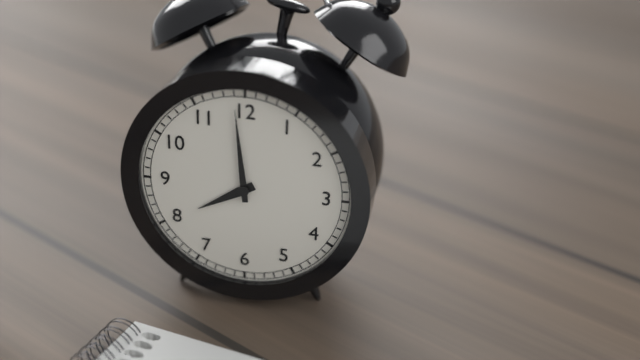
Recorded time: 7:59
